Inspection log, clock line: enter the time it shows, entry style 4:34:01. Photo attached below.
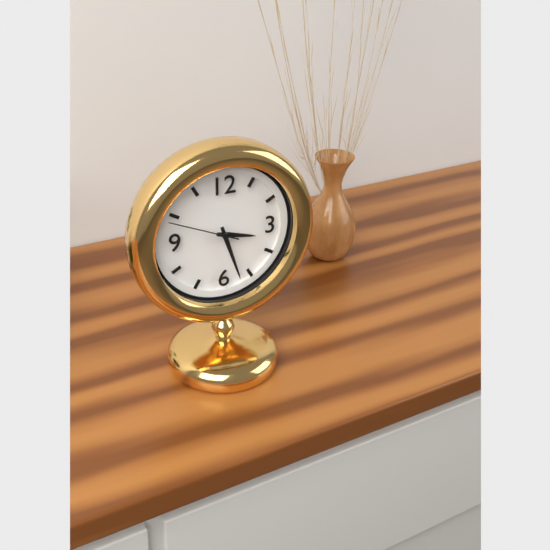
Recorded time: 3:27:49
